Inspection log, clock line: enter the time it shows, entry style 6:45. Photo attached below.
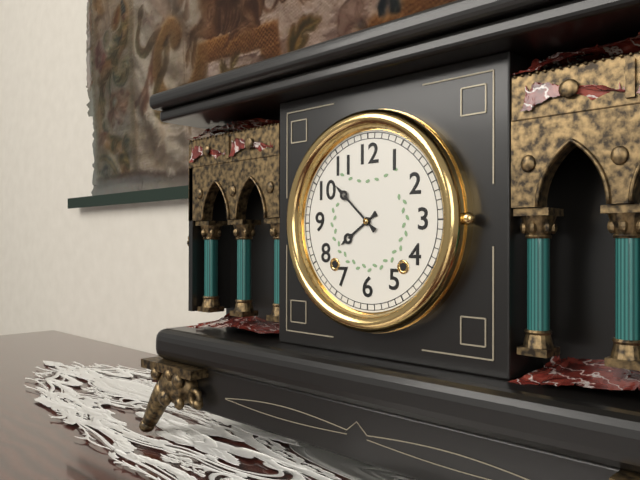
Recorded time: 7:52
